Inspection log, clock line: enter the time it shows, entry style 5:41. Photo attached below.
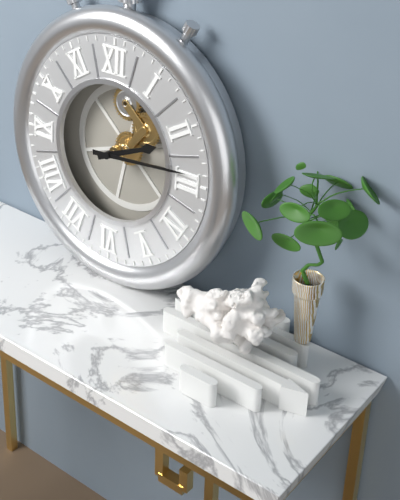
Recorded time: 2:14
